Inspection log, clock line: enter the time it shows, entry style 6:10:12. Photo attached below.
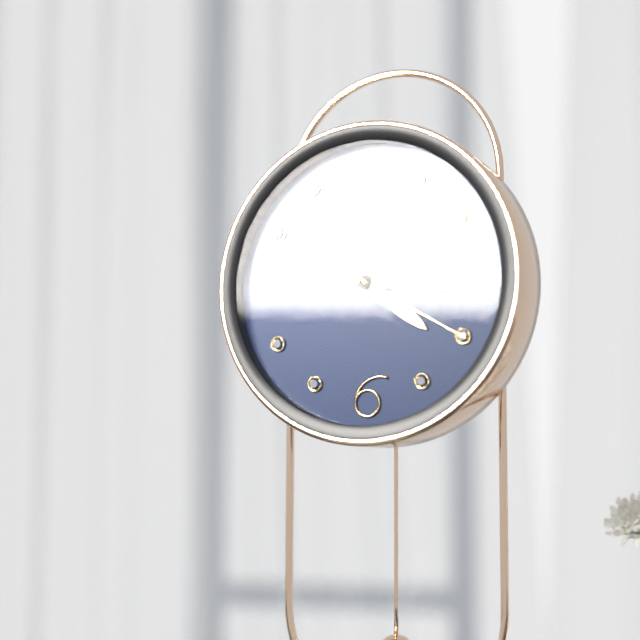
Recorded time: 4:16:20
